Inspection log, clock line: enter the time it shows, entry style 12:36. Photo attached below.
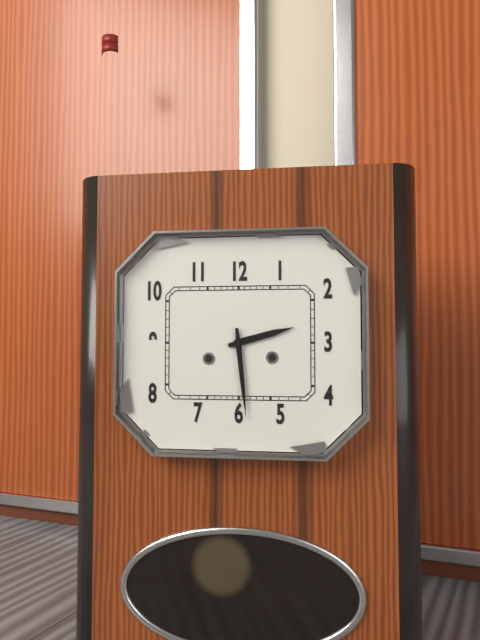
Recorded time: 2:29
